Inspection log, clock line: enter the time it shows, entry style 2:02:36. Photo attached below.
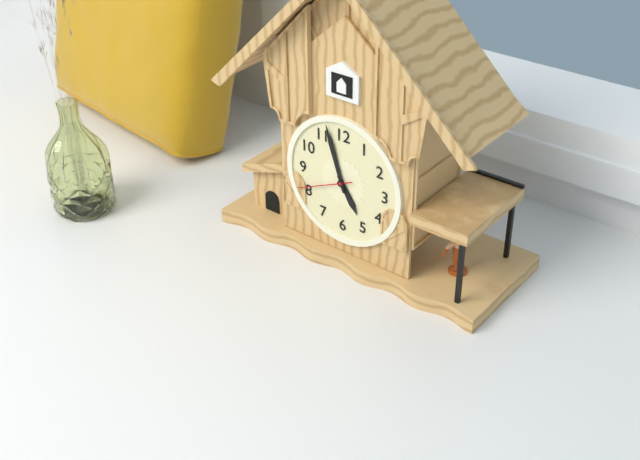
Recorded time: 4:57:41
